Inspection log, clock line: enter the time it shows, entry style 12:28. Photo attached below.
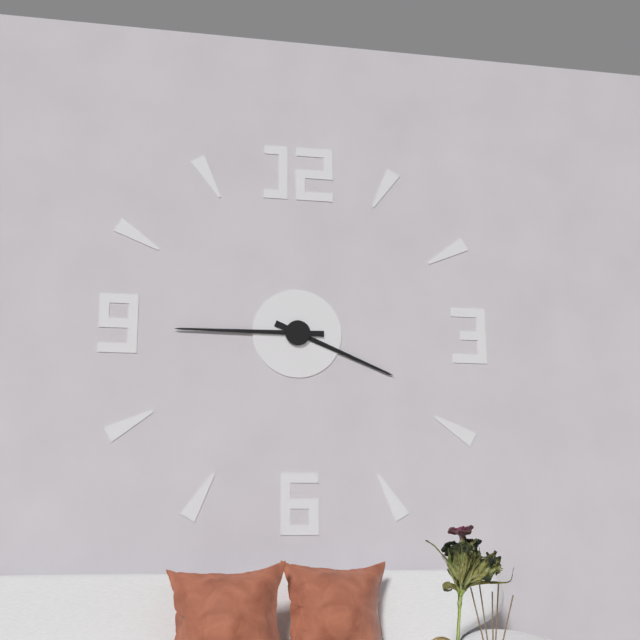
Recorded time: 3:45
